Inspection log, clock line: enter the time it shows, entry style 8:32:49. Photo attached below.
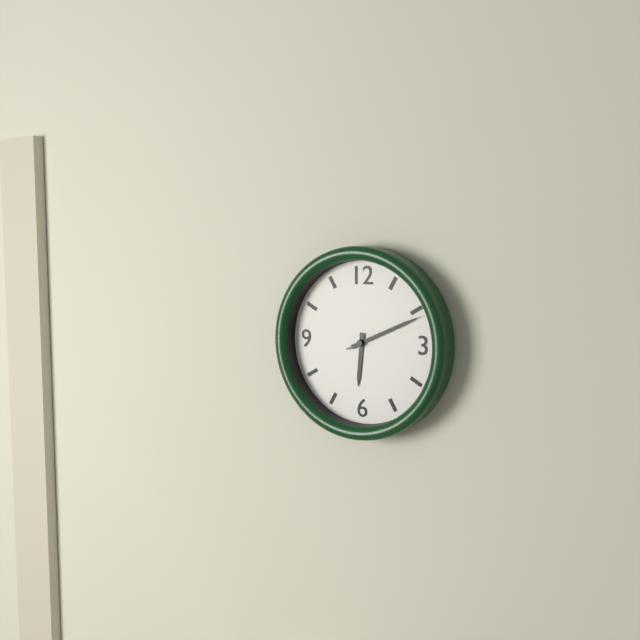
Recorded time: 6:11:11
